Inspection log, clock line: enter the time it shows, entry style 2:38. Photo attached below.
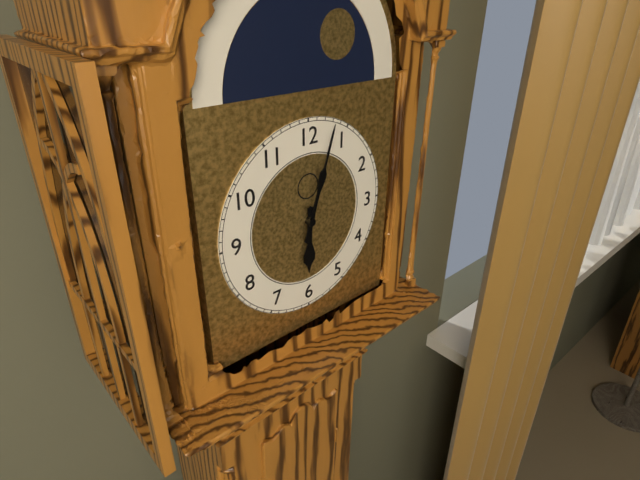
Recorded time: 6:03
